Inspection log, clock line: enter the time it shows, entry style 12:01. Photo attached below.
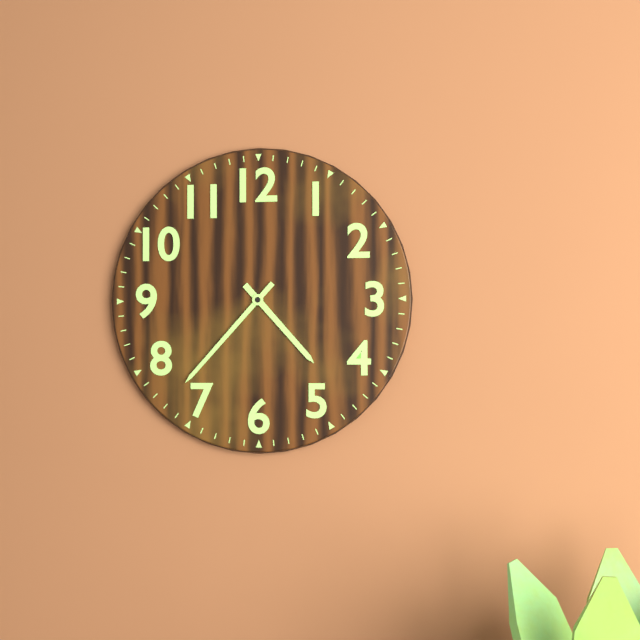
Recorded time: 4:37
